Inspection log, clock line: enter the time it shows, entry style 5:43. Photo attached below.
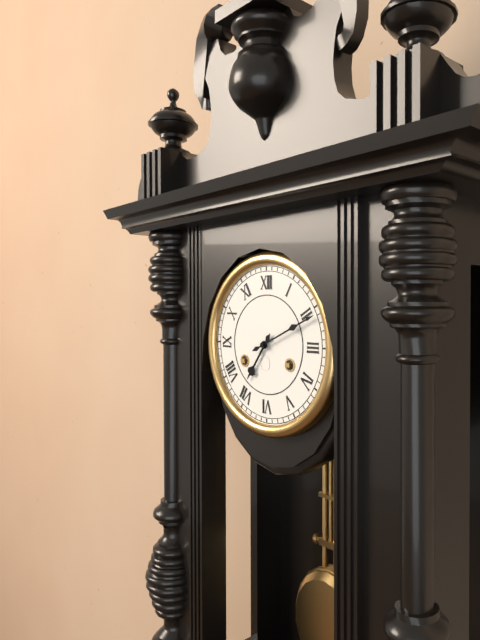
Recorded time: 7:11
